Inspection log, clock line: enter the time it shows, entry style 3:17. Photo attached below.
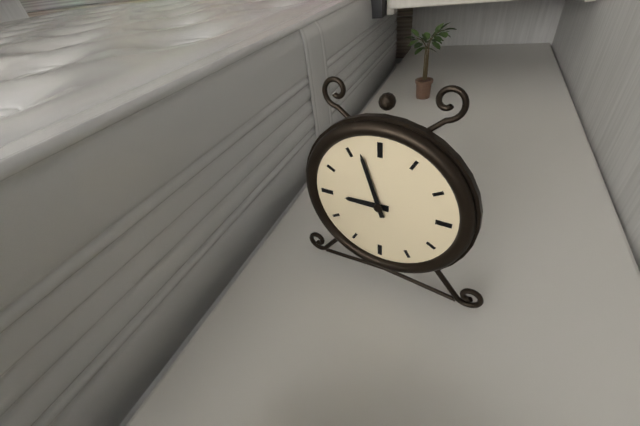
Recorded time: 8:57
